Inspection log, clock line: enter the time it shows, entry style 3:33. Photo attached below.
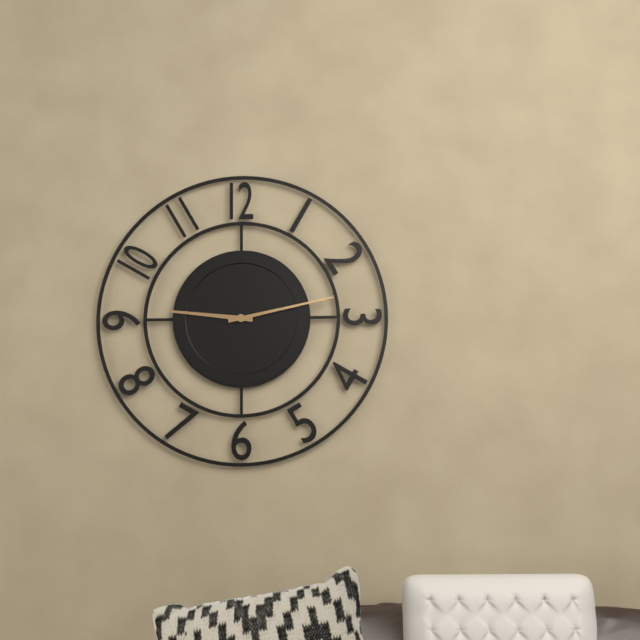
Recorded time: 9:13
